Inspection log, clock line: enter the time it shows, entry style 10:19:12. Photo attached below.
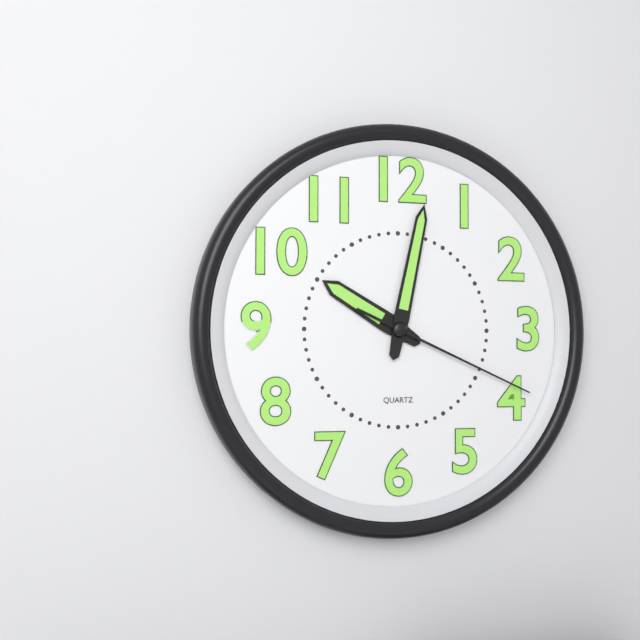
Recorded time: 10:02:19
